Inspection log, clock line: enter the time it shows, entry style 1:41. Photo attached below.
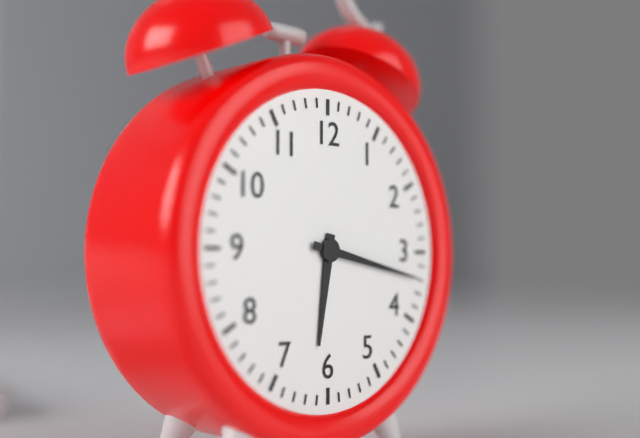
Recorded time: 6:17
